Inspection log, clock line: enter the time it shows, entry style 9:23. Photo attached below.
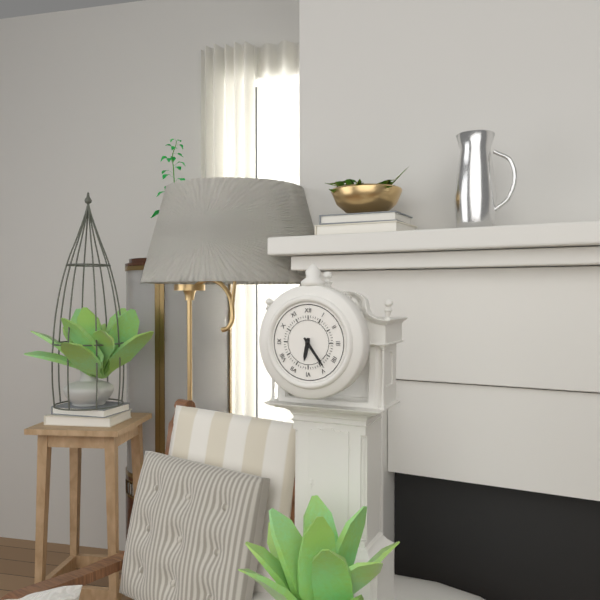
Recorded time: 6:24
